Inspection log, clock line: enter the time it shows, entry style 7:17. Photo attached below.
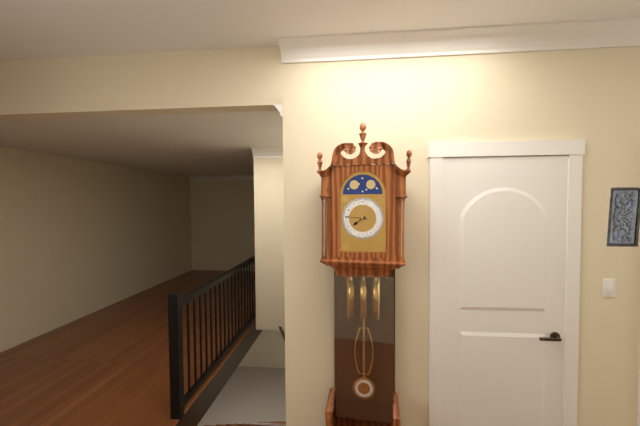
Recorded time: 7:46
